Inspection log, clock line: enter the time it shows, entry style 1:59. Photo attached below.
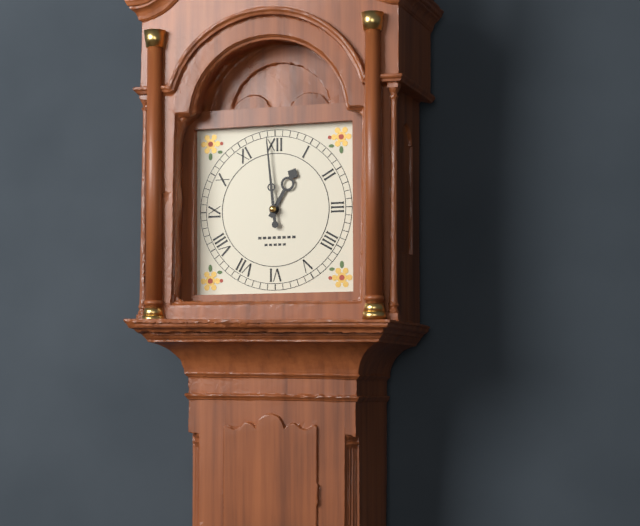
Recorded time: 12:59
